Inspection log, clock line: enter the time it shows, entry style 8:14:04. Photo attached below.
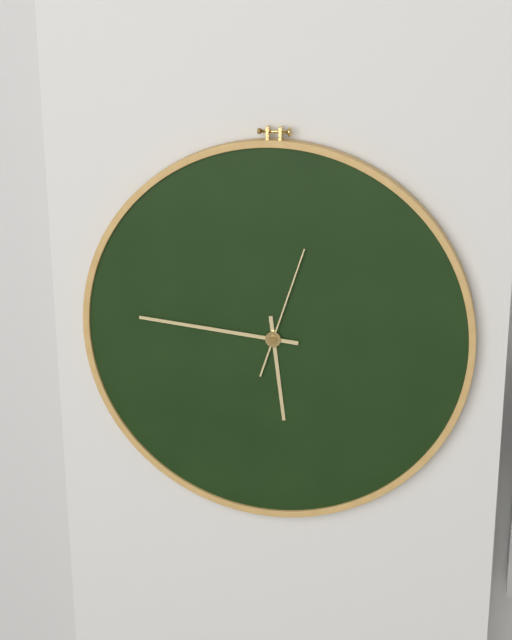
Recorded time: 5:46:03
